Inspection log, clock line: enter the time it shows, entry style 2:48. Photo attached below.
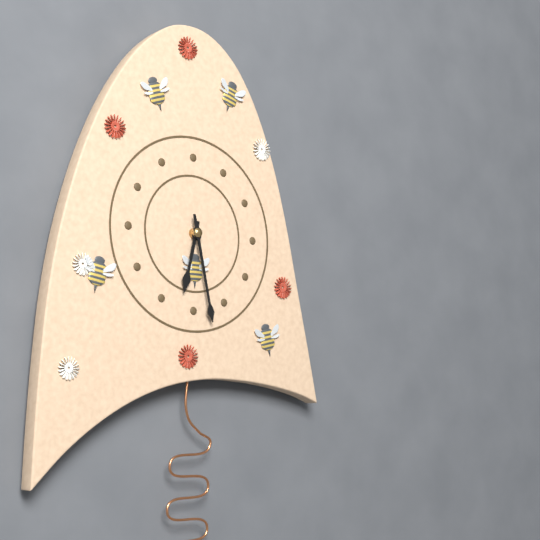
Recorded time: 6:28
